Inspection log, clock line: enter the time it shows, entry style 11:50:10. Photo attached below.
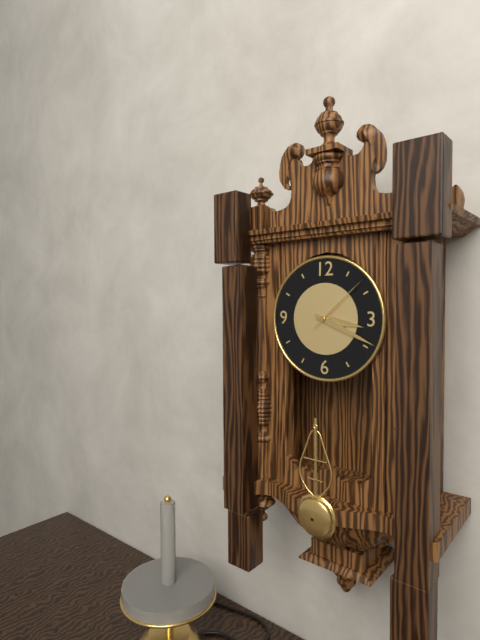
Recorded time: 3:19:08
